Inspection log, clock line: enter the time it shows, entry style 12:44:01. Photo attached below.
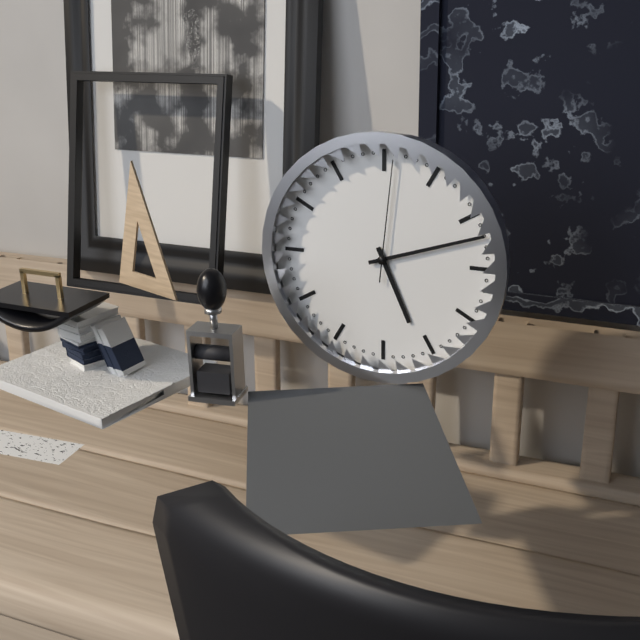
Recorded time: 5:12:01
